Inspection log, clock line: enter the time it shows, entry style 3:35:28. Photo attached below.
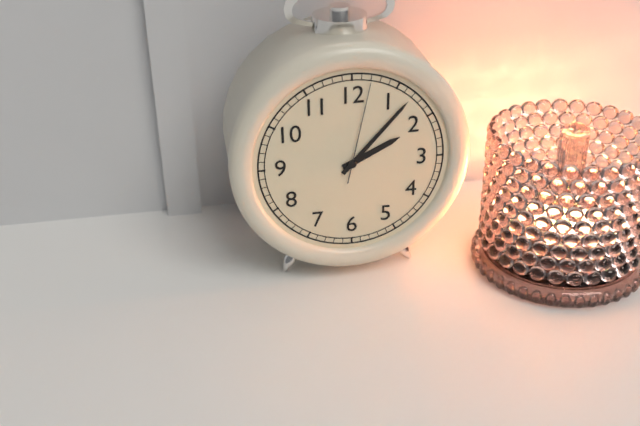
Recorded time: 2:07:02
